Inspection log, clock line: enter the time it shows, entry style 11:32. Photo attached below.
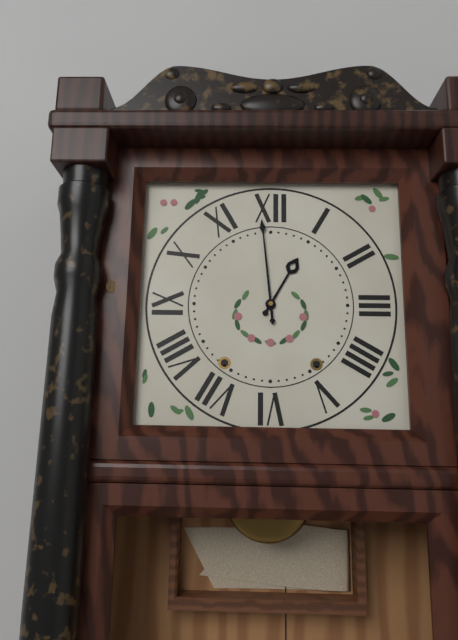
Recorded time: 12:59
